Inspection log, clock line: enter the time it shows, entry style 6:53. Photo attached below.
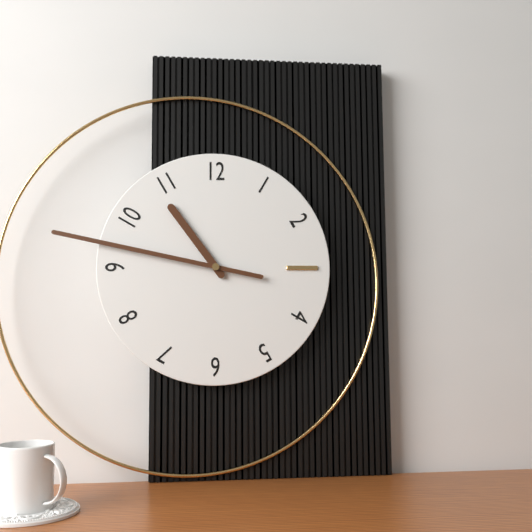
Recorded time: 10:47
